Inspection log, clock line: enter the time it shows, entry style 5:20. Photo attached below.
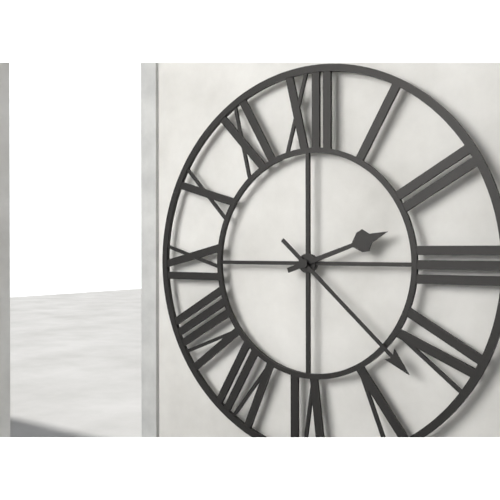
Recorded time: 2:22
